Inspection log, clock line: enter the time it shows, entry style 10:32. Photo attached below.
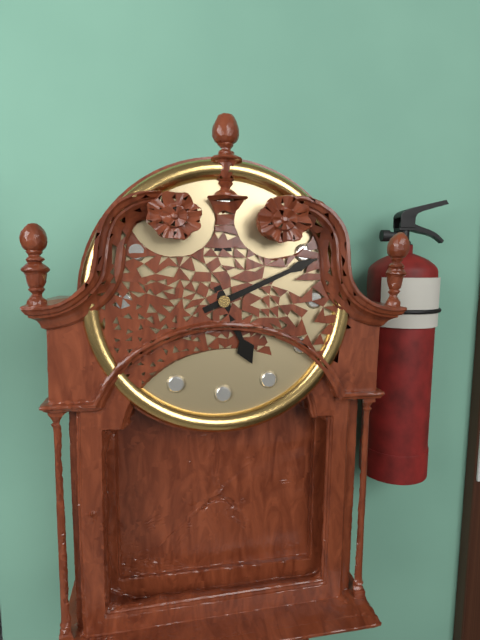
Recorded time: 5:11
